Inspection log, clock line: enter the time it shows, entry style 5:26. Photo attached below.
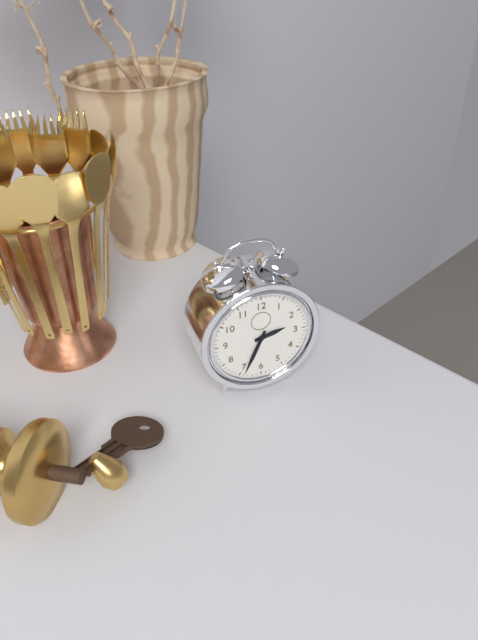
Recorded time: 2:34
